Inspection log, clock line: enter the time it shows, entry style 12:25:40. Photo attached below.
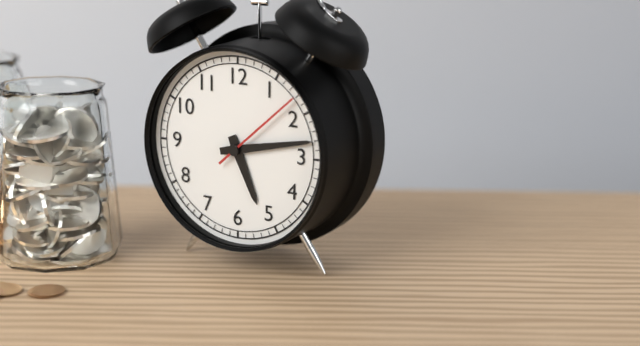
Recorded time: 5:13:08
